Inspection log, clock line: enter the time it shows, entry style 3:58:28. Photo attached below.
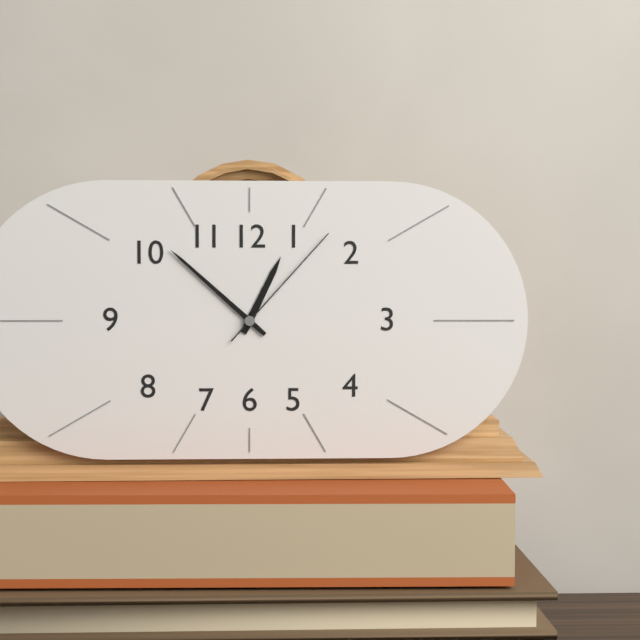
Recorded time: 12:52:07
